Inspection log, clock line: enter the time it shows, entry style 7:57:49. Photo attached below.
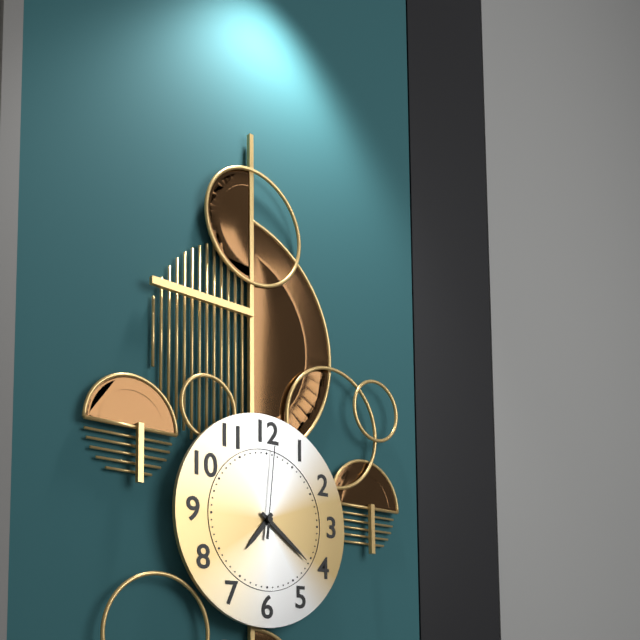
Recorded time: 7:21:01
